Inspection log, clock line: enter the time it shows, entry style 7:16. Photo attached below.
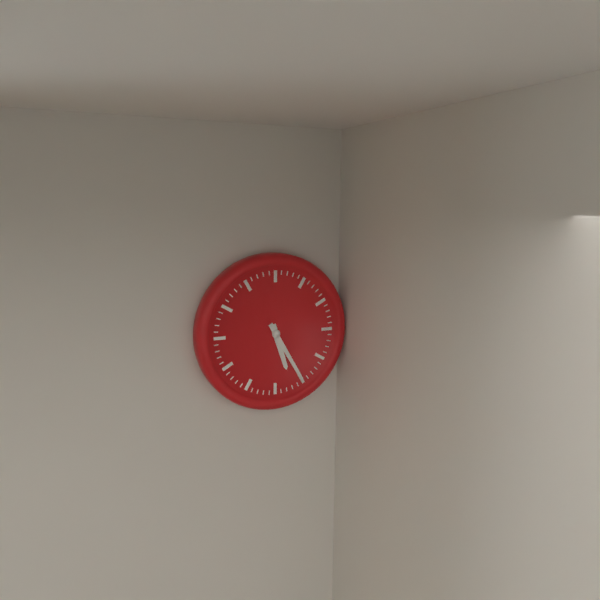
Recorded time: 5:25
